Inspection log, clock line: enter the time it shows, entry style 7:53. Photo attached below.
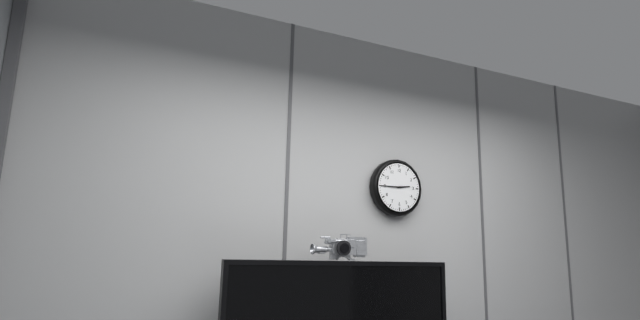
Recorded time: 2:45
